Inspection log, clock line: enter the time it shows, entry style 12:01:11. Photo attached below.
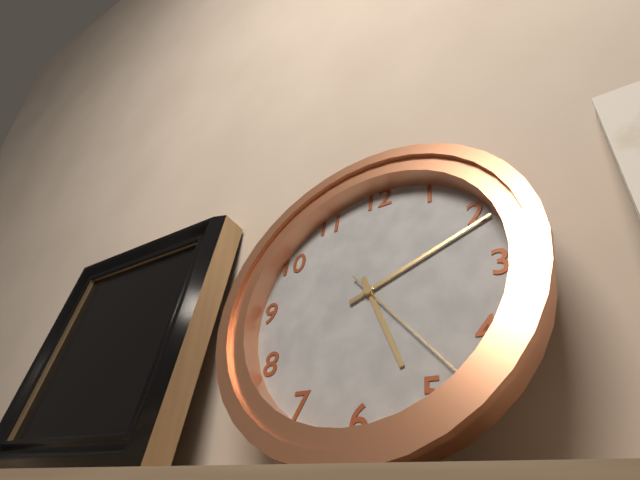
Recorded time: 5:11:23
